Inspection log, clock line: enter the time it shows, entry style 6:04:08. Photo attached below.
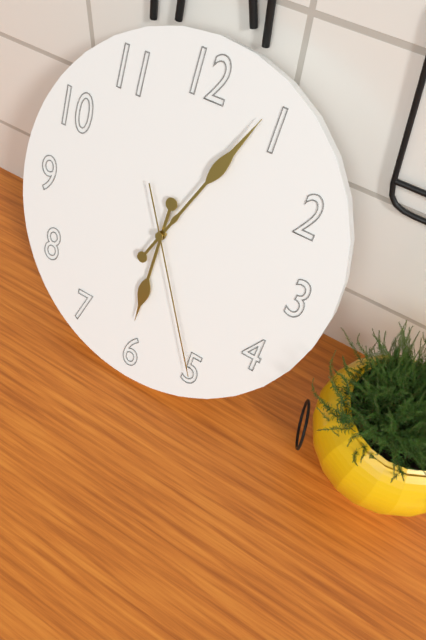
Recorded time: 6:04:25
